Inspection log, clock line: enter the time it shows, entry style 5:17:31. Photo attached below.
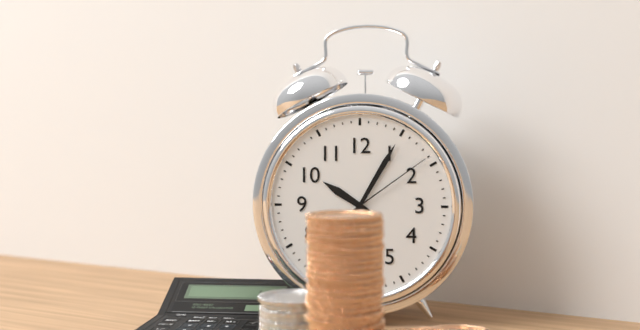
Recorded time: 10:05:09
